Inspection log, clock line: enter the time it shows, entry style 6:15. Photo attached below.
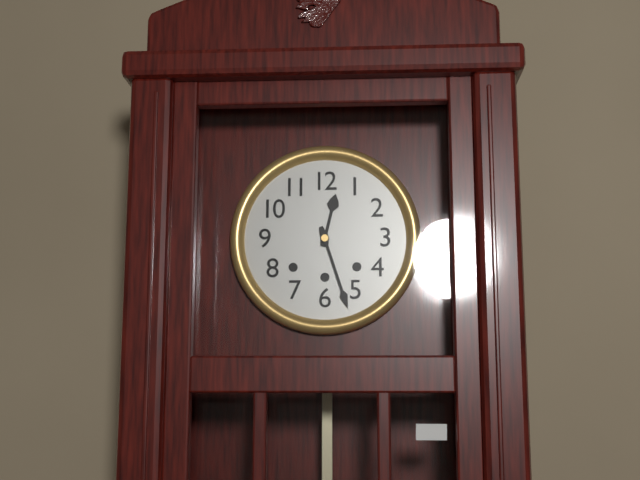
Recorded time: 12:27
